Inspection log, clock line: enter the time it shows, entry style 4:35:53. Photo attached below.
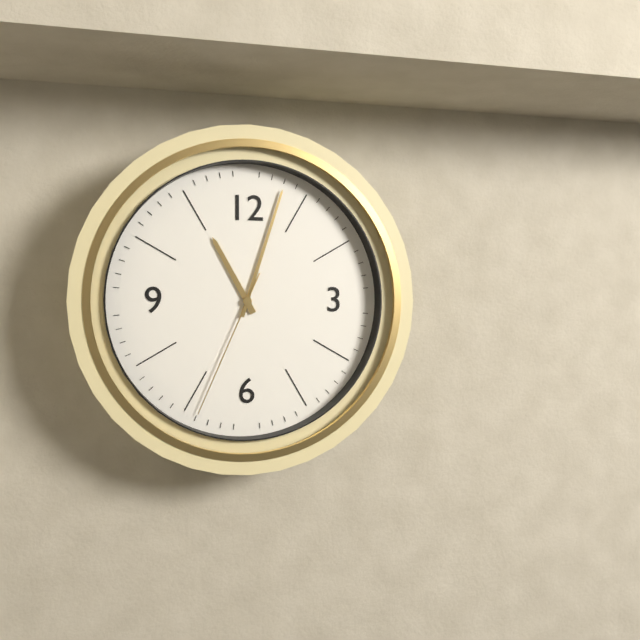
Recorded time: 11:03:34
